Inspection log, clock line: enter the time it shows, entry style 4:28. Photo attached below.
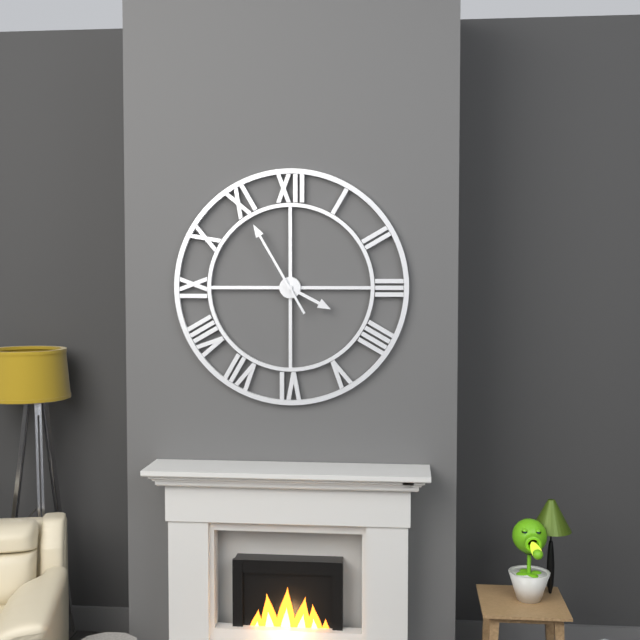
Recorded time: 3:55
